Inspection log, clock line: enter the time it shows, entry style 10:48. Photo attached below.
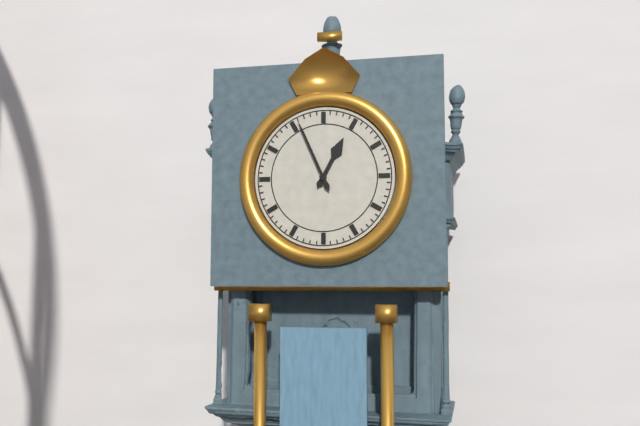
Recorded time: 12:56
